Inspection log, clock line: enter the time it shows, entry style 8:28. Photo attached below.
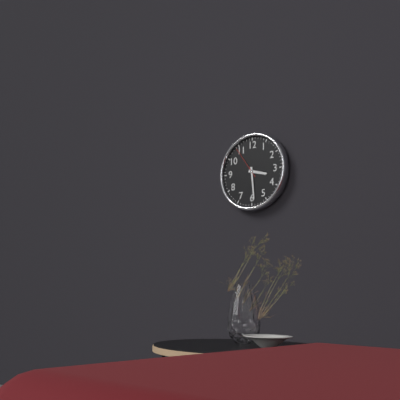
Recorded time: 3:29
